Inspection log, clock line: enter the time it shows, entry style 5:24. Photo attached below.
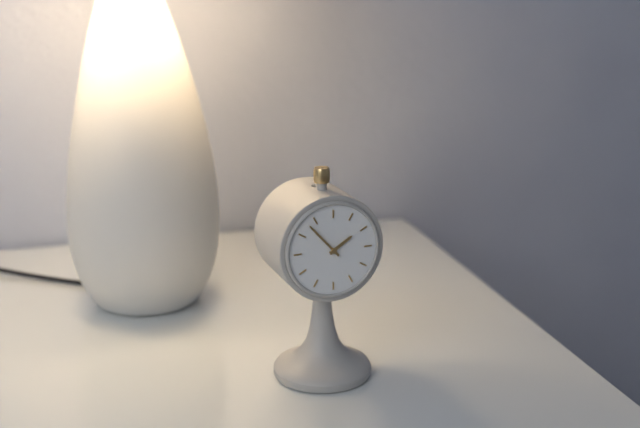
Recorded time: 1:53
